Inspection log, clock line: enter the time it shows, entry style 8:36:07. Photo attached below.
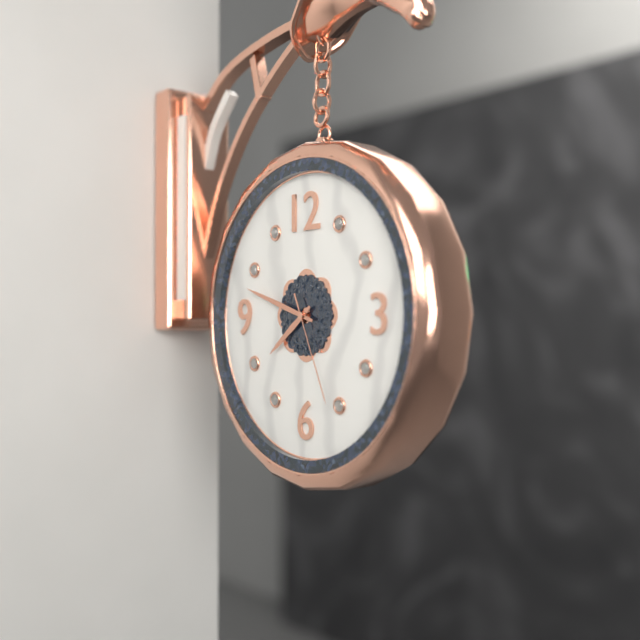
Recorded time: 7:48:26
